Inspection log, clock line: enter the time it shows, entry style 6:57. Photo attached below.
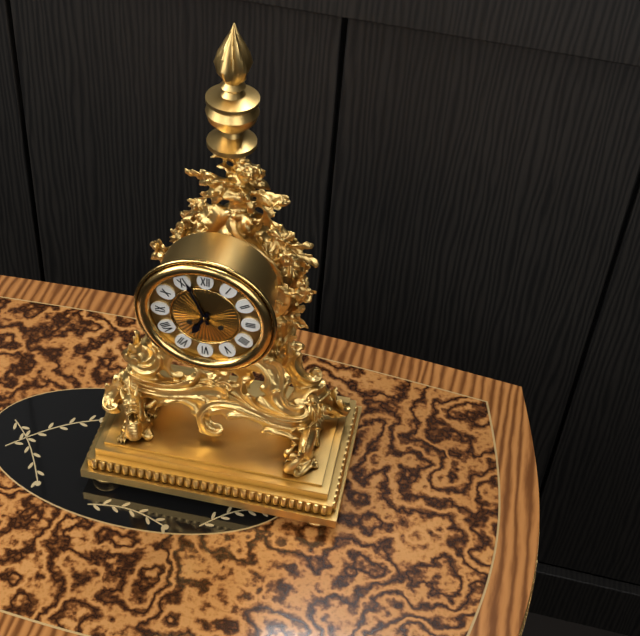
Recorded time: 6:56
